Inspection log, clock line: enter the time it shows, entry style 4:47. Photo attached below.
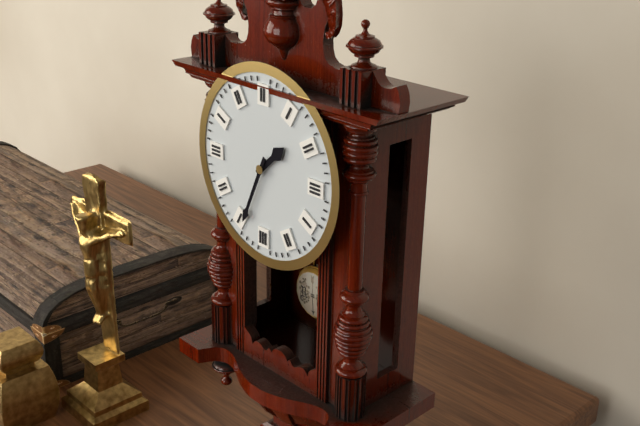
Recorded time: 1:34
